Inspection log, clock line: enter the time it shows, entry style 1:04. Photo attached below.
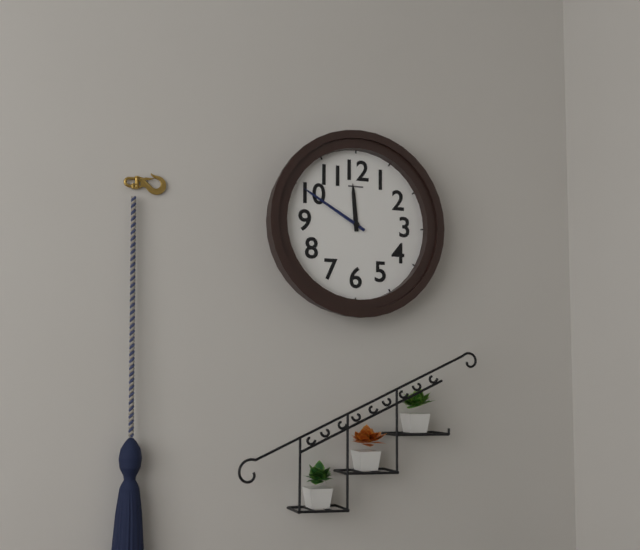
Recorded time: 11:50
